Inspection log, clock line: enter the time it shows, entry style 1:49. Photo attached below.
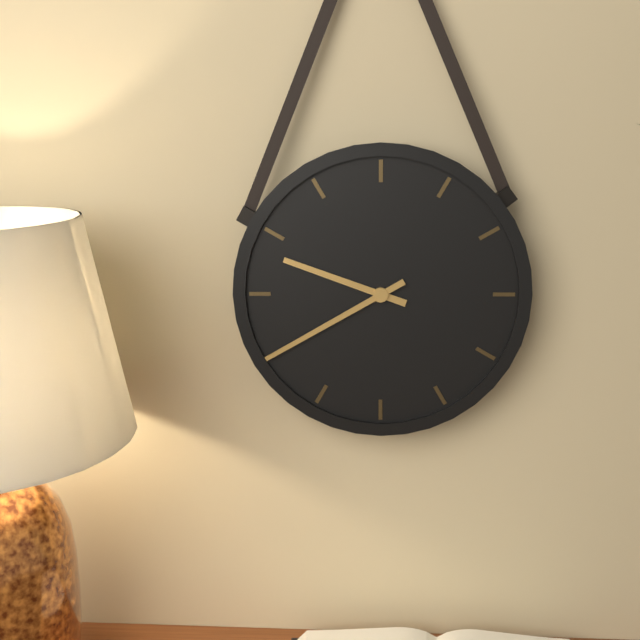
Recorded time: 9:40
